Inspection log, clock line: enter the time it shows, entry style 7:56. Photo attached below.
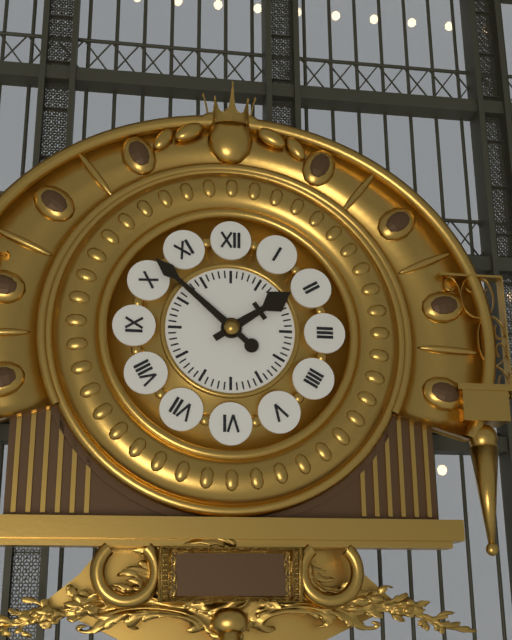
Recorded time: 1:52
